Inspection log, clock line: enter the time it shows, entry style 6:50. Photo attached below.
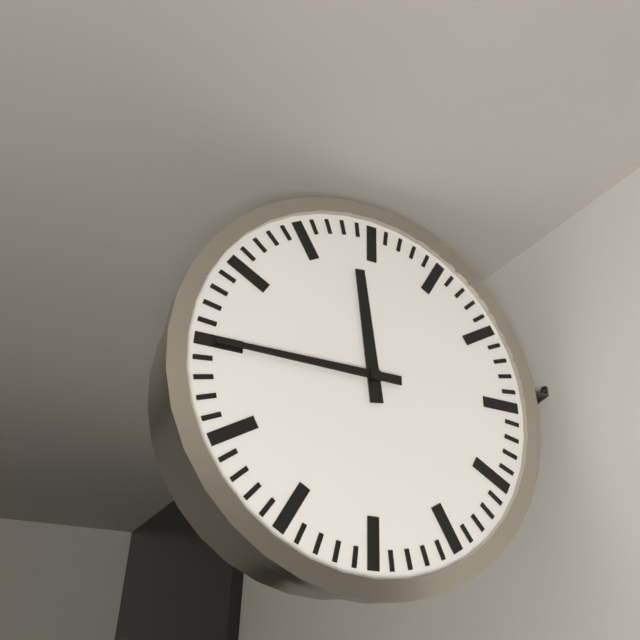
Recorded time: 11:45
